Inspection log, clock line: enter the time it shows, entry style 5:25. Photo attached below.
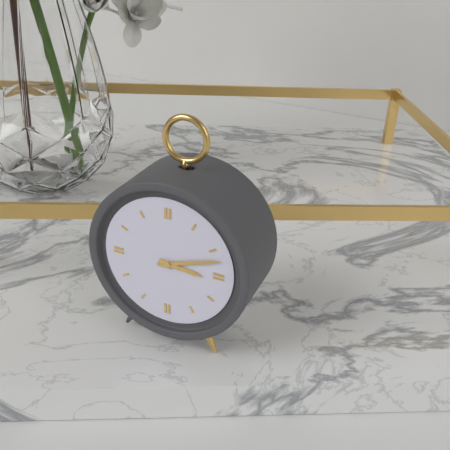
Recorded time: 3:12
